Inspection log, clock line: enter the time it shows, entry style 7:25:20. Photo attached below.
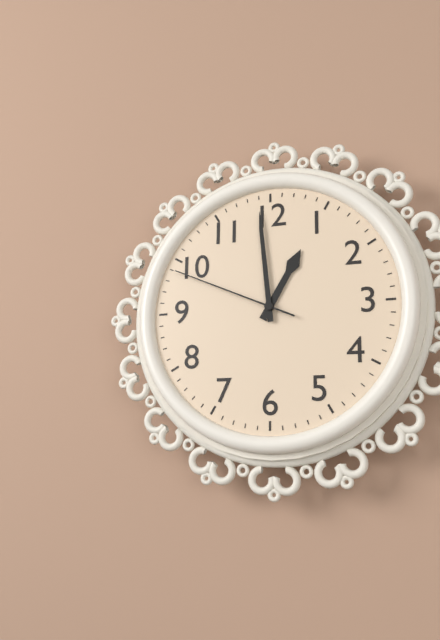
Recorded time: 12:59:49
